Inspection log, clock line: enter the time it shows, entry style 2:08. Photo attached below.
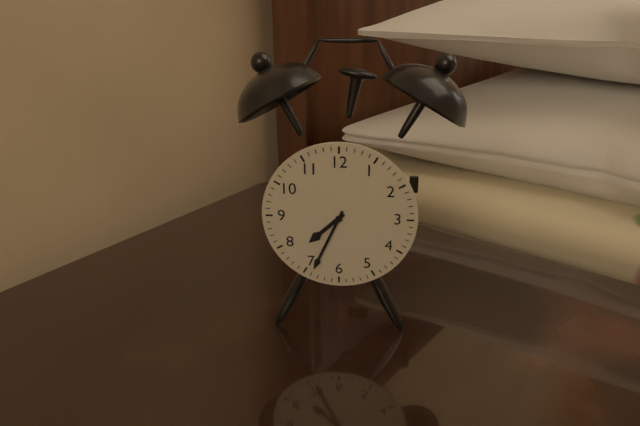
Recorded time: 7:34
